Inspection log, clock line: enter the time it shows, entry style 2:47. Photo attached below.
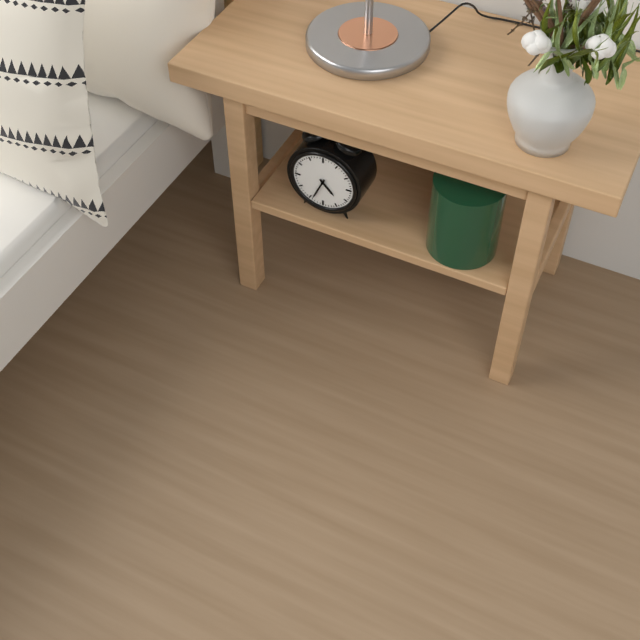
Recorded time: 4:34
